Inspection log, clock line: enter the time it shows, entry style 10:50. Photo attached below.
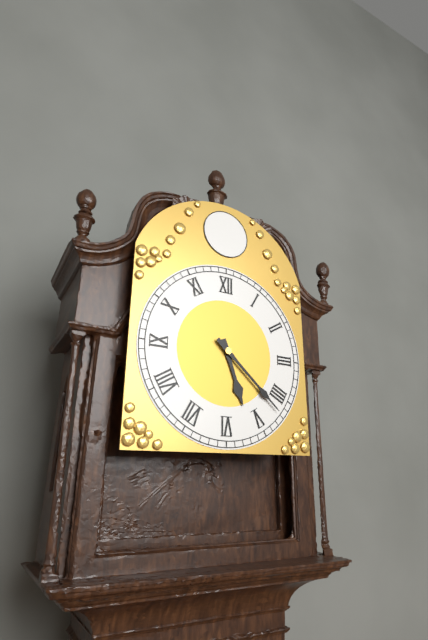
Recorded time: 5:22
